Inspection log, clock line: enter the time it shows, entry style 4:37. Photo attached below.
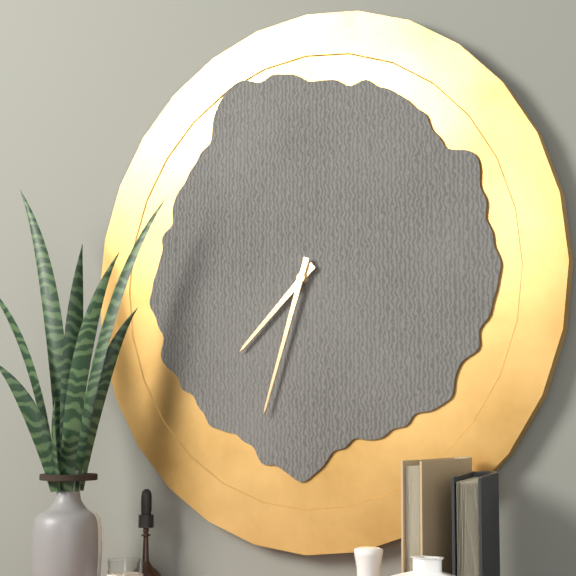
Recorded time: 7:33
